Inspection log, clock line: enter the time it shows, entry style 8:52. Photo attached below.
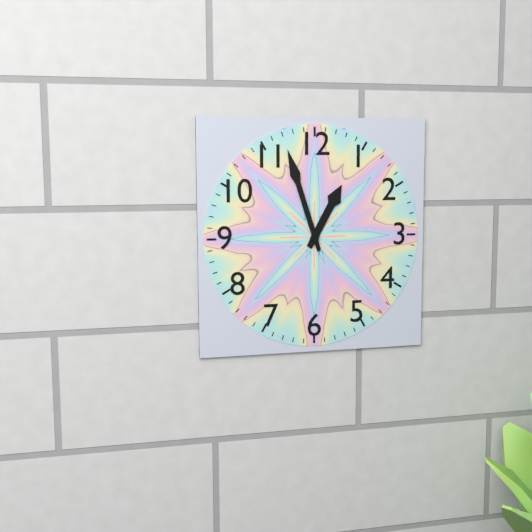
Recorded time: 12:57
